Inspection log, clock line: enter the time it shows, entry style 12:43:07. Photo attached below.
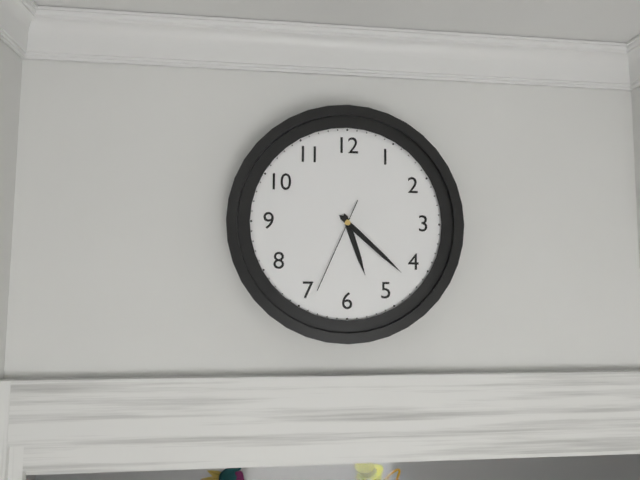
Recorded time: 5:22:34
